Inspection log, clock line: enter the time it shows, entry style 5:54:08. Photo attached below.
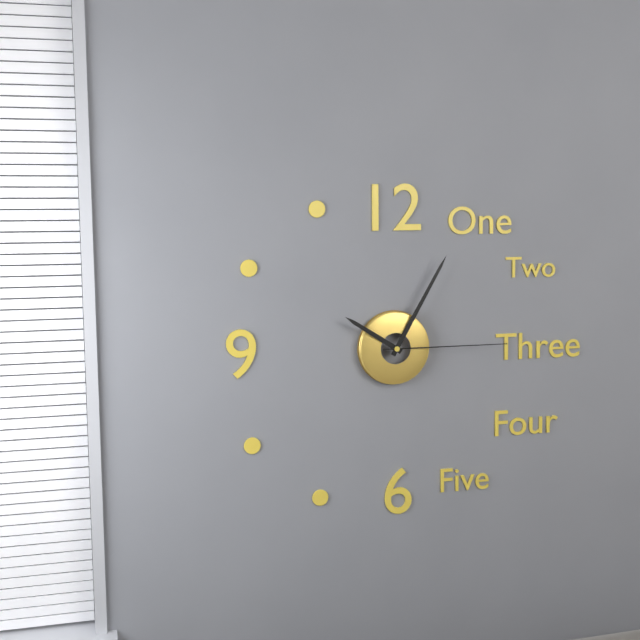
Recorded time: 10:05:15
